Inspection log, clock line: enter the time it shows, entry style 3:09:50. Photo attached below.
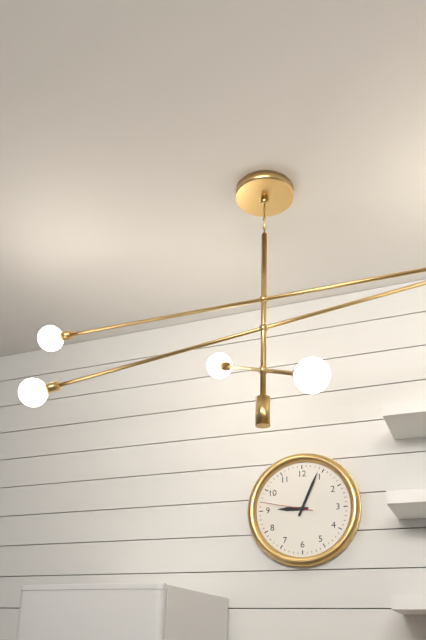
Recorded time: 9:04:47
